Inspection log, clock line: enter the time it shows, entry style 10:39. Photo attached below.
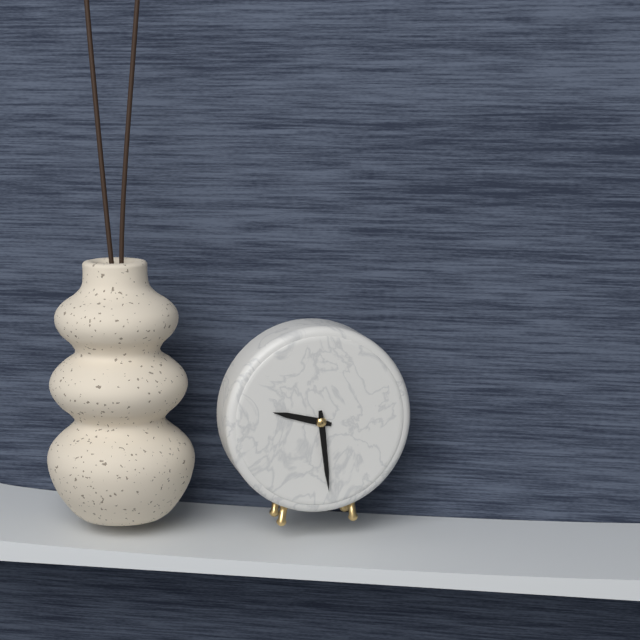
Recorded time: 9:29
